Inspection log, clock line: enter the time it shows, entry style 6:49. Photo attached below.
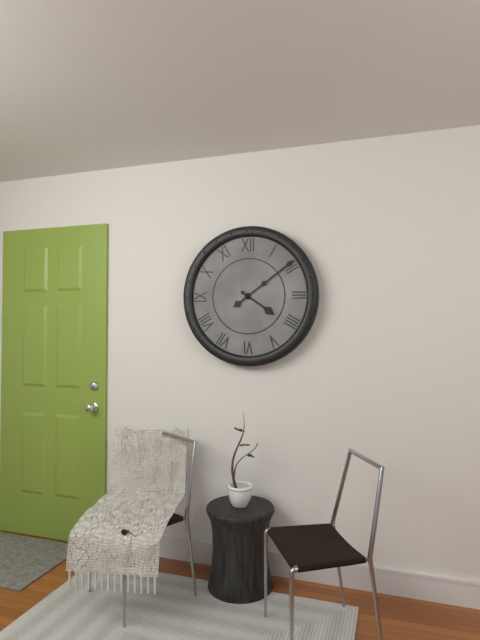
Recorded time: 4:09
